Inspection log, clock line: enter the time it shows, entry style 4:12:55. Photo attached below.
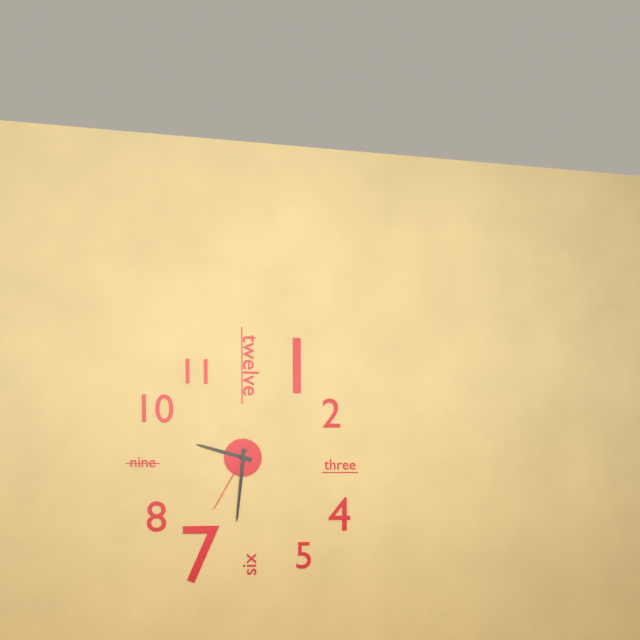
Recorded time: 9:31:35
